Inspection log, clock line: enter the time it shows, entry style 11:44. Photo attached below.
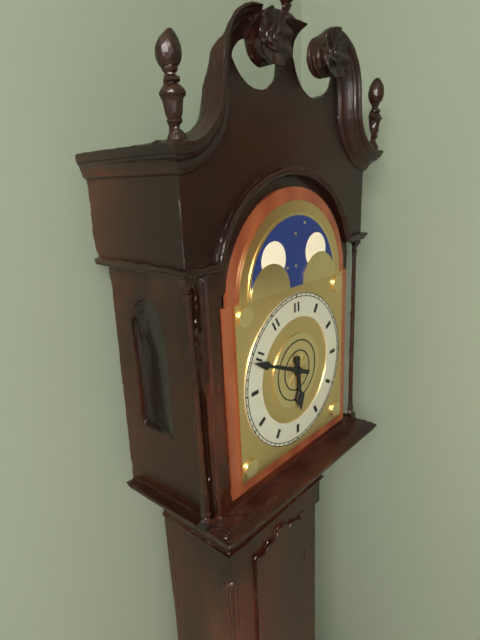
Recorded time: 5:49
